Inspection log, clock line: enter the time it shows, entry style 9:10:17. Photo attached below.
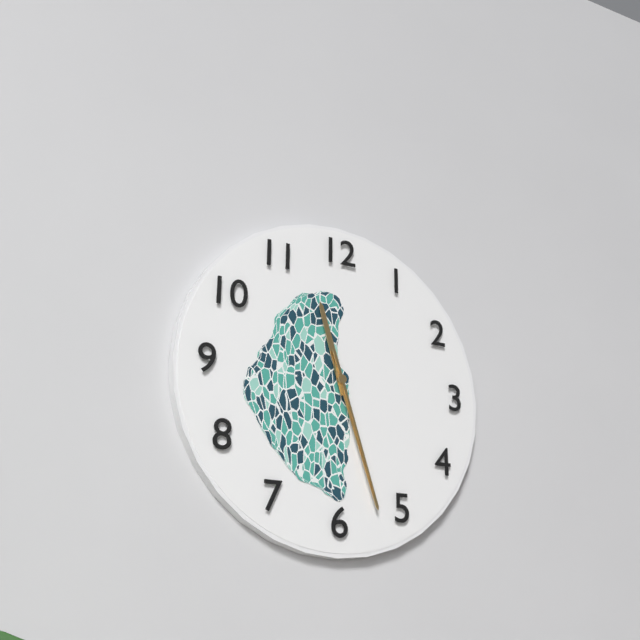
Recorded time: 11:27:27
